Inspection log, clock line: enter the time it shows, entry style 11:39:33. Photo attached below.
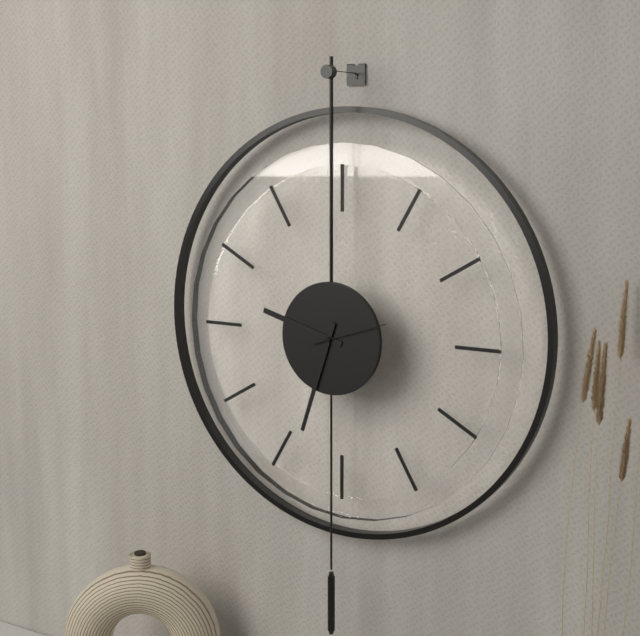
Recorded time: 9:33:12
